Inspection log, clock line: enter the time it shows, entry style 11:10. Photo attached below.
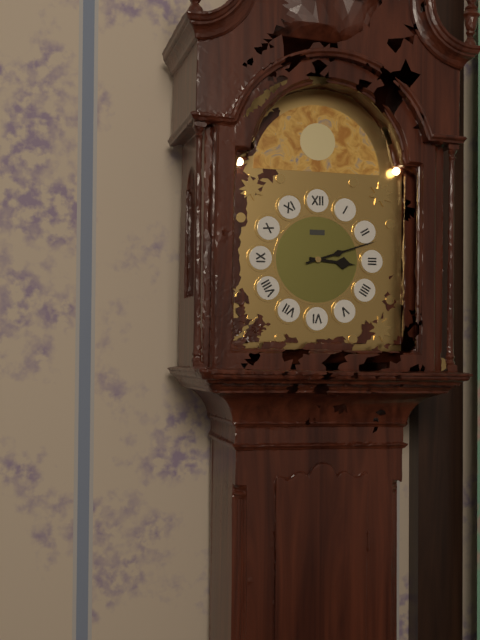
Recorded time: 3:12
